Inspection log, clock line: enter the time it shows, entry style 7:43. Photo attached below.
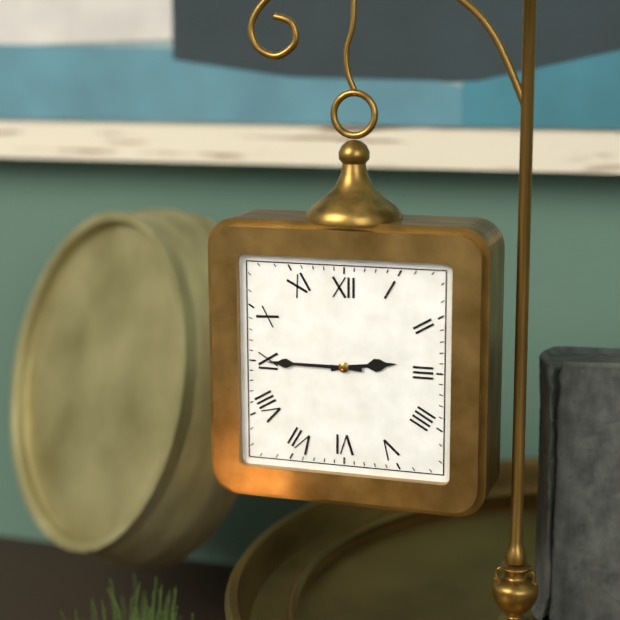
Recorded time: 2:45
